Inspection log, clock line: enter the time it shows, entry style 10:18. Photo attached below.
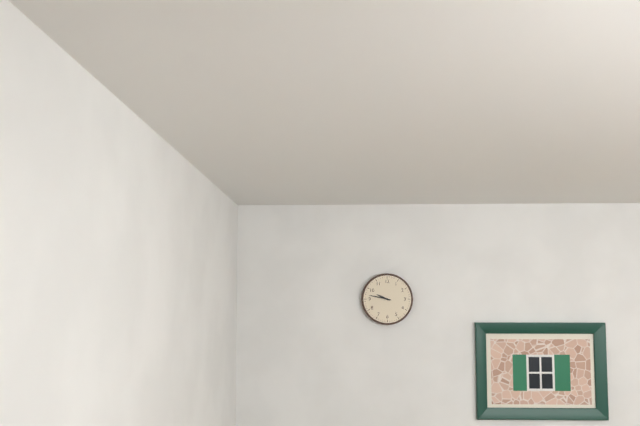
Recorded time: 9:47
